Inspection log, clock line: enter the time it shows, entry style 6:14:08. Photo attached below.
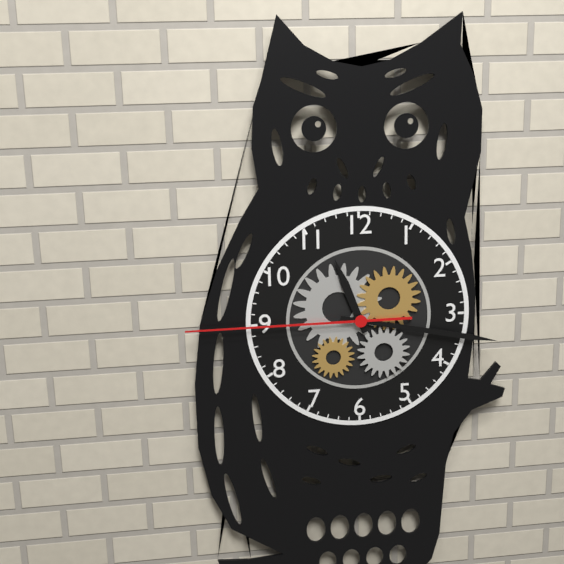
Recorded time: 11:17:45
